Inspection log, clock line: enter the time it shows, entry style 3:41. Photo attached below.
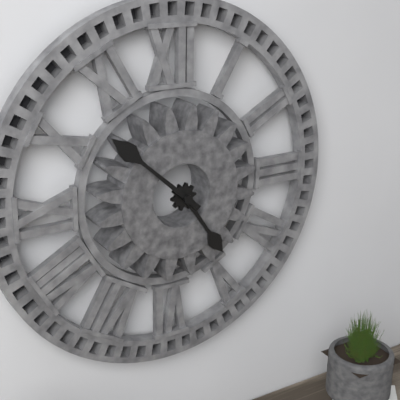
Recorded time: 4:52
